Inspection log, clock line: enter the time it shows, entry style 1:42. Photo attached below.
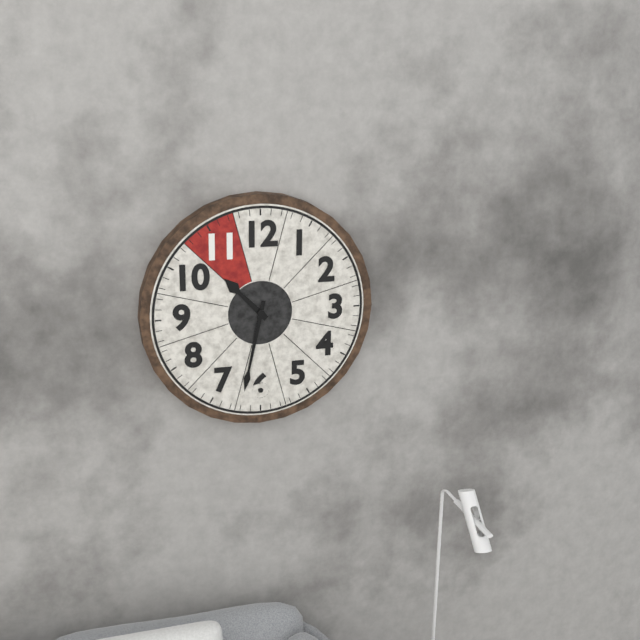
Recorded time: 10:32
